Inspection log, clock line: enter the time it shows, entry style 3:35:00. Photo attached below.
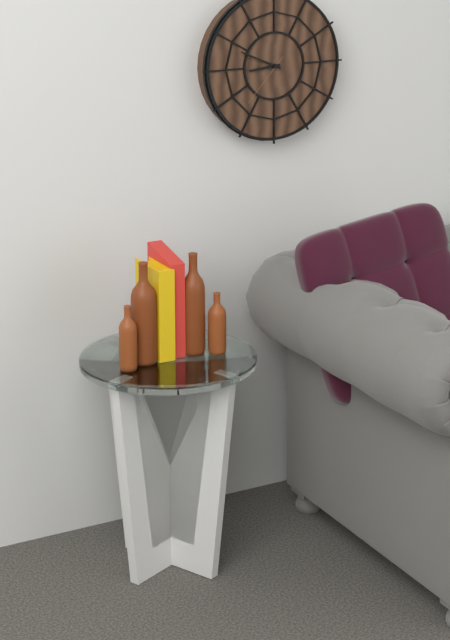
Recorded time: 8:49:37
